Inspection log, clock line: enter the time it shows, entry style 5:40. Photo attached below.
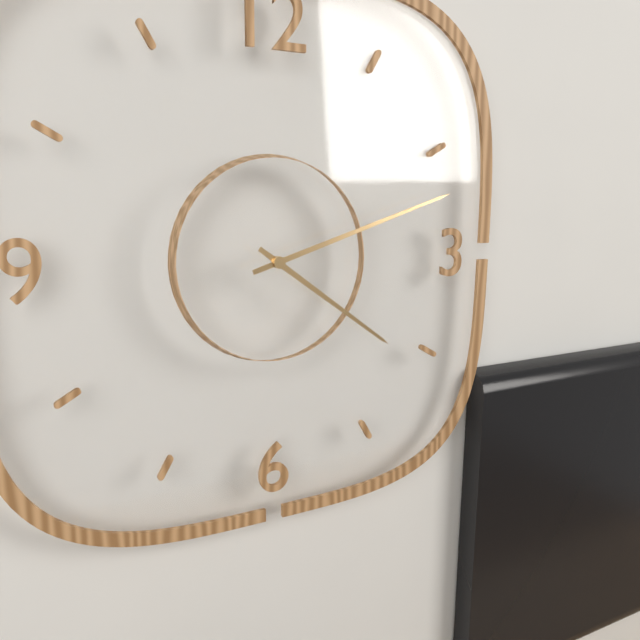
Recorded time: 4:12
